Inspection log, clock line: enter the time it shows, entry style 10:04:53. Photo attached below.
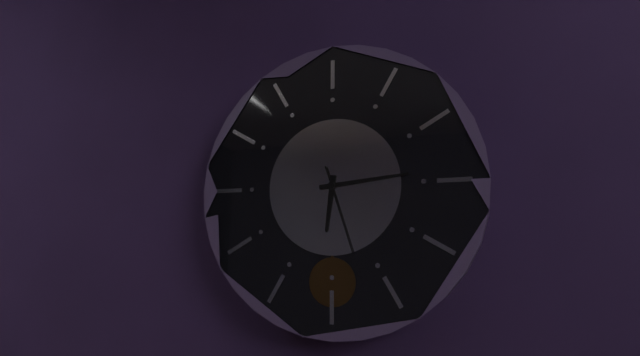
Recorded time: 6:14:27
